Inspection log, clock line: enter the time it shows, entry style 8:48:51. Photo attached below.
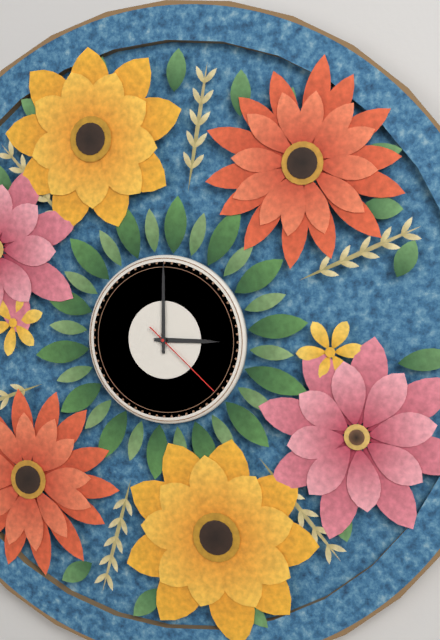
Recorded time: 3:00:22
